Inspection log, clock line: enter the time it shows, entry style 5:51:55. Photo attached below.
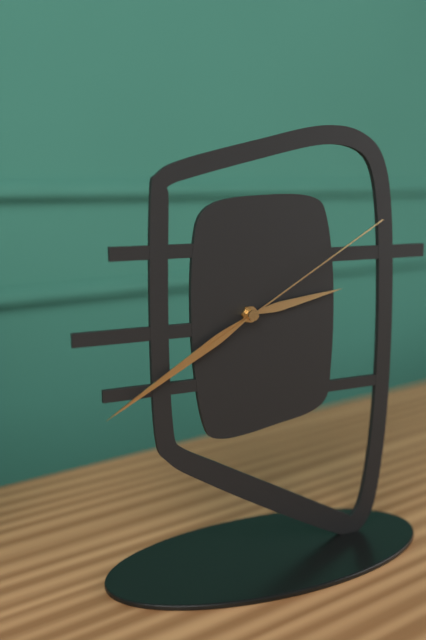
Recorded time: 2:40:10
